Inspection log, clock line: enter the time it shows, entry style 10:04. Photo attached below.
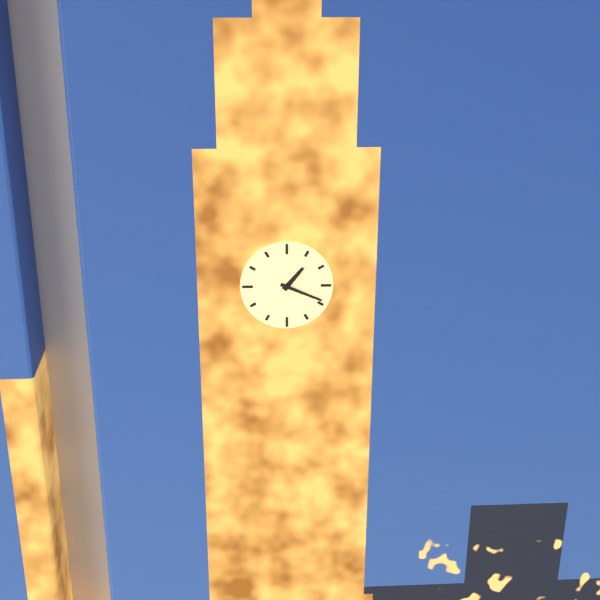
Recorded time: 1:19
